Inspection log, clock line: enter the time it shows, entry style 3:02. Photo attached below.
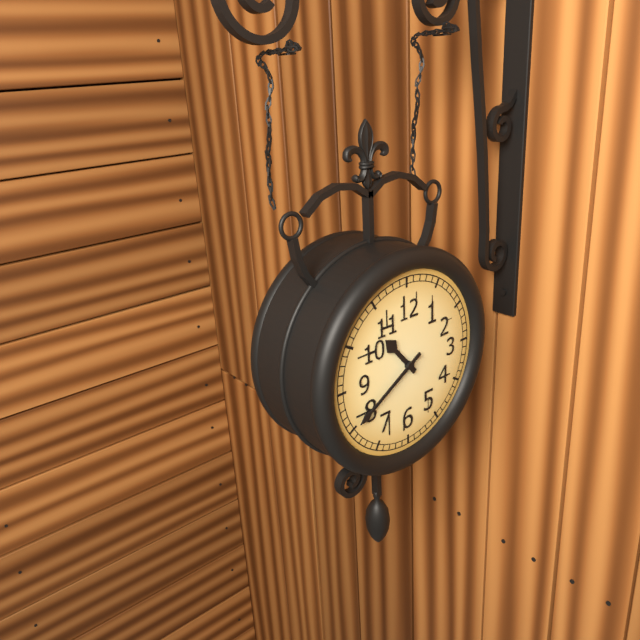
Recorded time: 10:40
